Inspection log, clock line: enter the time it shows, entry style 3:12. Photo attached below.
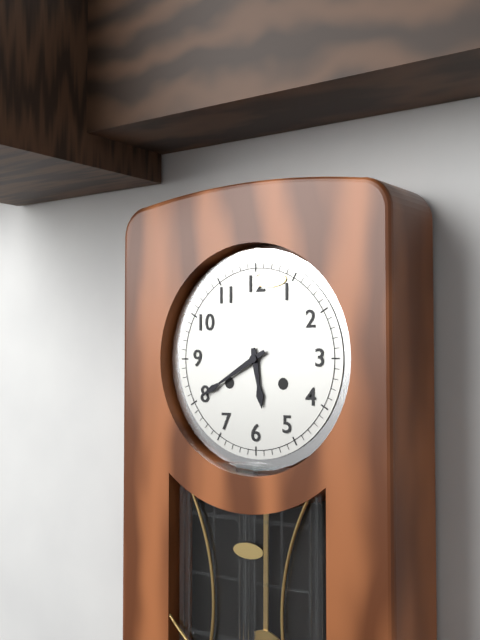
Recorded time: 5:40
